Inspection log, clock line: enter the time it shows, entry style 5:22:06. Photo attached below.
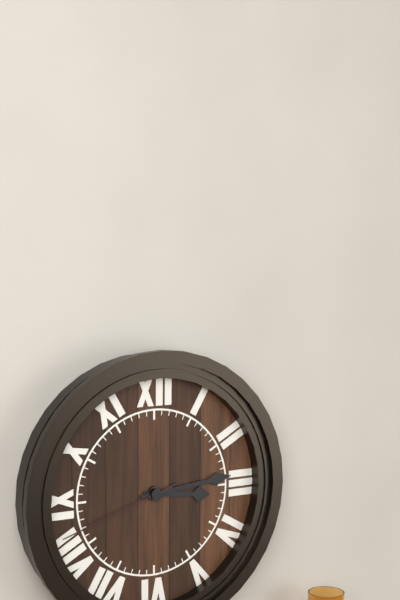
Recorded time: 3:14:42
